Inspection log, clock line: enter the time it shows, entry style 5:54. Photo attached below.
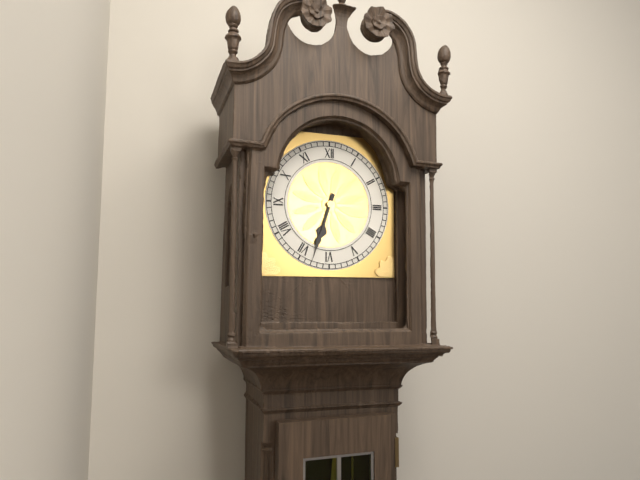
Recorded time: 6:33
